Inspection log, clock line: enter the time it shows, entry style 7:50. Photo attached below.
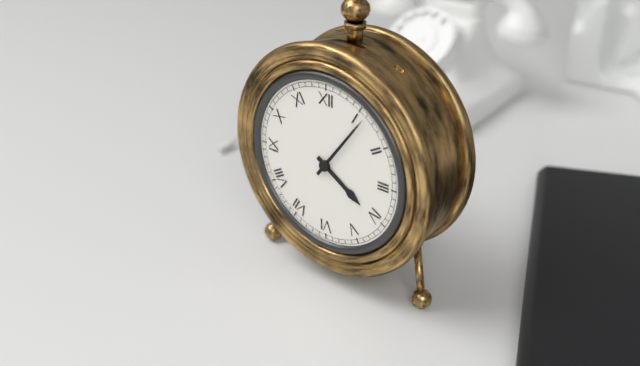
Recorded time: 4:06
